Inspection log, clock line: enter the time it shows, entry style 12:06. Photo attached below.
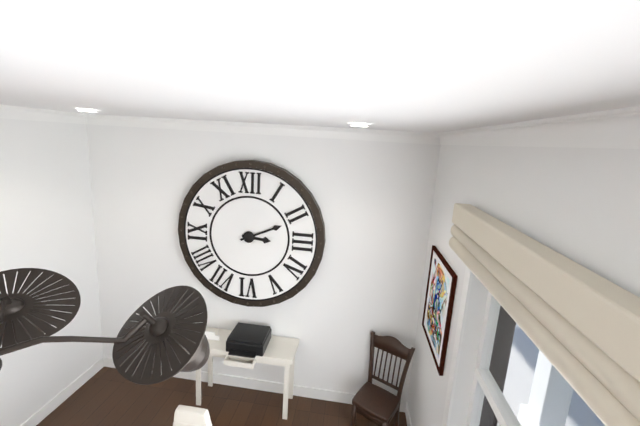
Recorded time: 3:11
